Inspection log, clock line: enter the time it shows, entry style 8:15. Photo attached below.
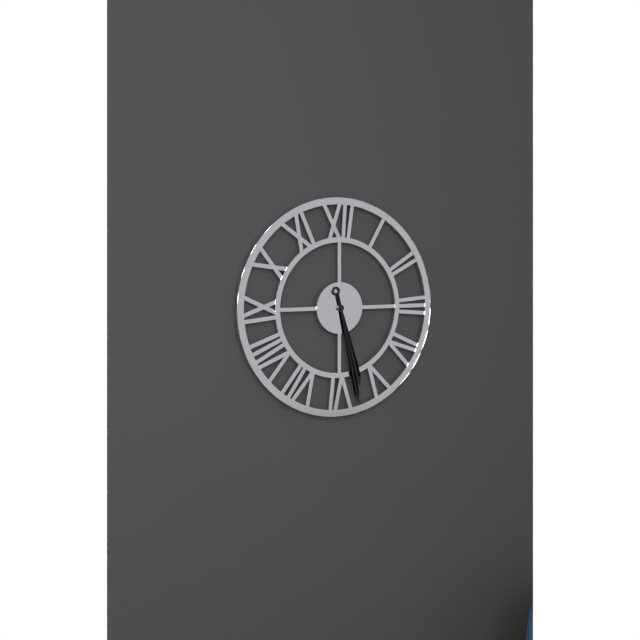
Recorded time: 5:28
